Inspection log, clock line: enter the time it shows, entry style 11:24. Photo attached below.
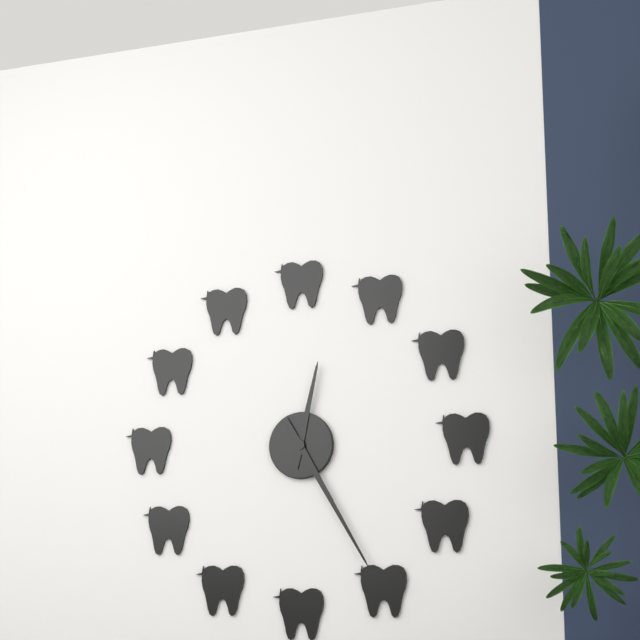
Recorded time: 12:25
